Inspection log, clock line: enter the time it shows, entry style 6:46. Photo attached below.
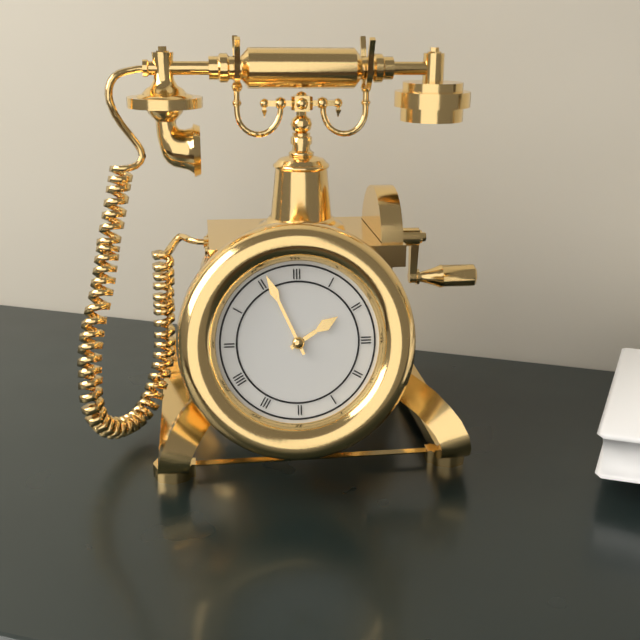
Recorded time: 1:56
